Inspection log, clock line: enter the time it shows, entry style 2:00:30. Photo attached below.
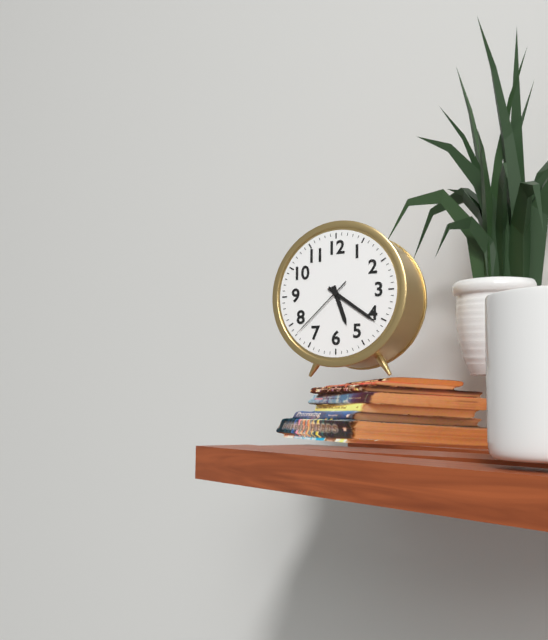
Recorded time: 5:21:38
